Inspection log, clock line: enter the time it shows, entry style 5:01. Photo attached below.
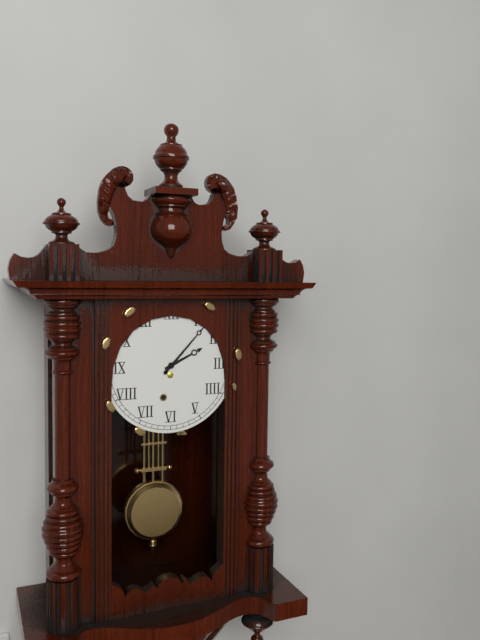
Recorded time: 2:07
